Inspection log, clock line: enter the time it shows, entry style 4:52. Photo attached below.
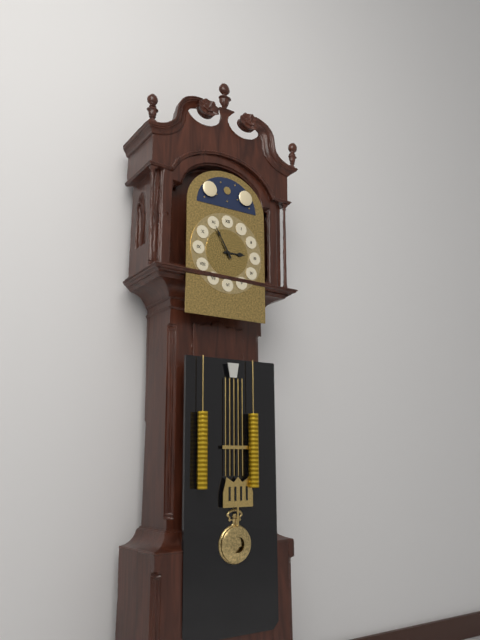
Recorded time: 2:55
